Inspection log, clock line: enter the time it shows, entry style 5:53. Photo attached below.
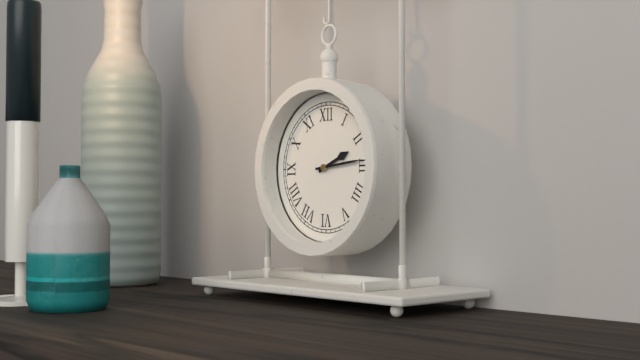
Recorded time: 2:14
